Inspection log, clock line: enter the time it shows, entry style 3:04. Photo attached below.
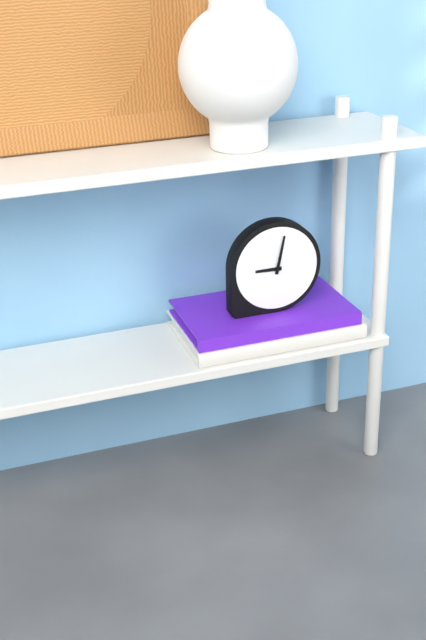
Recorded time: 9:02
